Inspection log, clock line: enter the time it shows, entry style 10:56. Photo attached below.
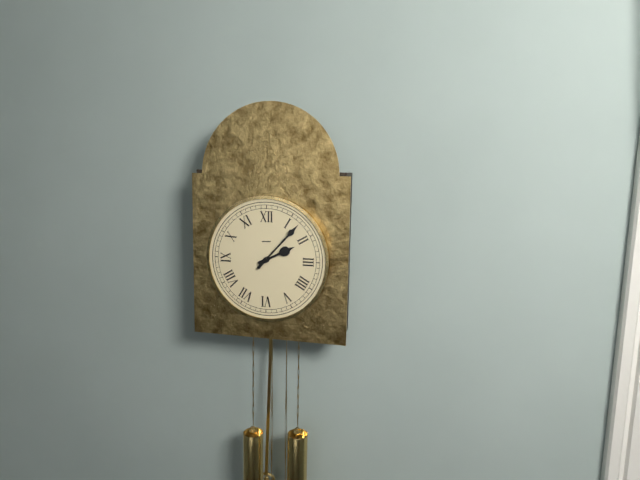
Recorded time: 2:07
